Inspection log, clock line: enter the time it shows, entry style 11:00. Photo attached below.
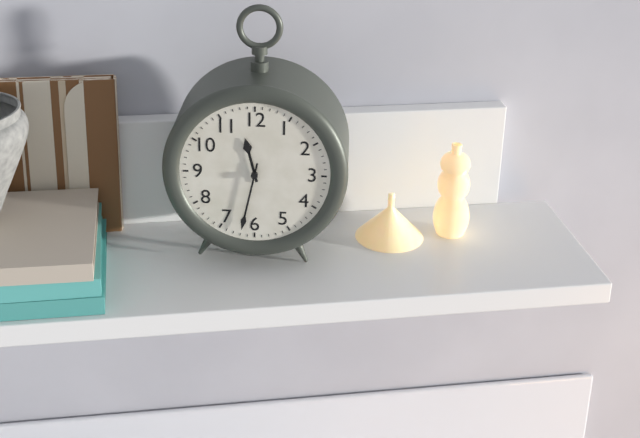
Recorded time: 11:32
